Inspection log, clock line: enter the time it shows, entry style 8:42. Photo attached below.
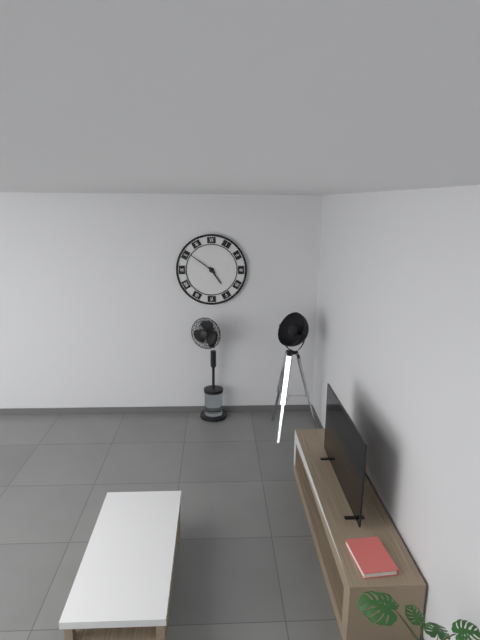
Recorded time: 4:51
